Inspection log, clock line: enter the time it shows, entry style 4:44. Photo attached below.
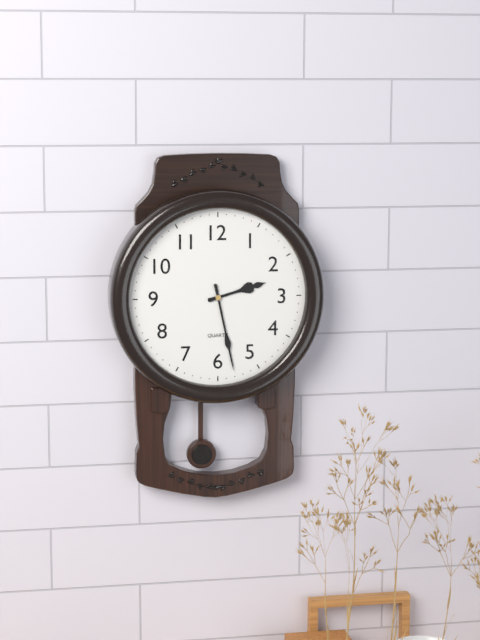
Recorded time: 2:28
